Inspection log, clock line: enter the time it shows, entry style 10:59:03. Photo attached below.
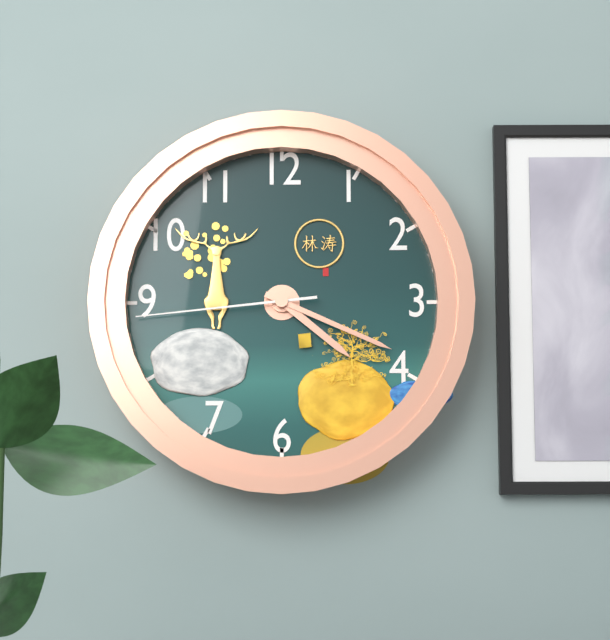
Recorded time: 4:19:44
